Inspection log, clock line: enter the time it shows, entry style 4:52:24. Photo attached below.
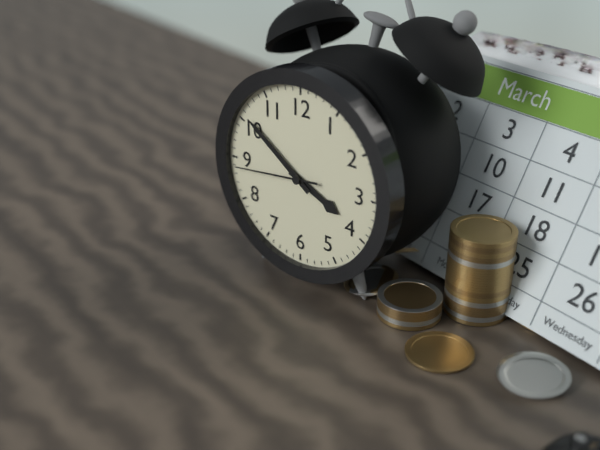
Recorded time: 3:51:44
